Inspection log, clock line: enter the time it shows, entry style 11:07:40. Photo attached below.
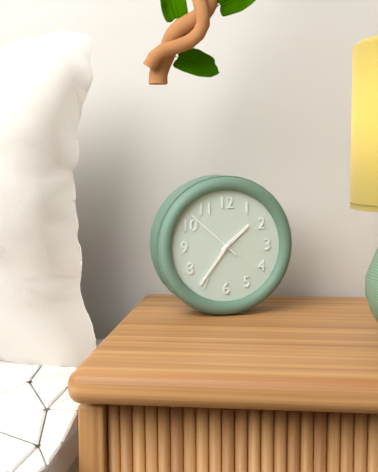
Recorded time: 1:36:52
